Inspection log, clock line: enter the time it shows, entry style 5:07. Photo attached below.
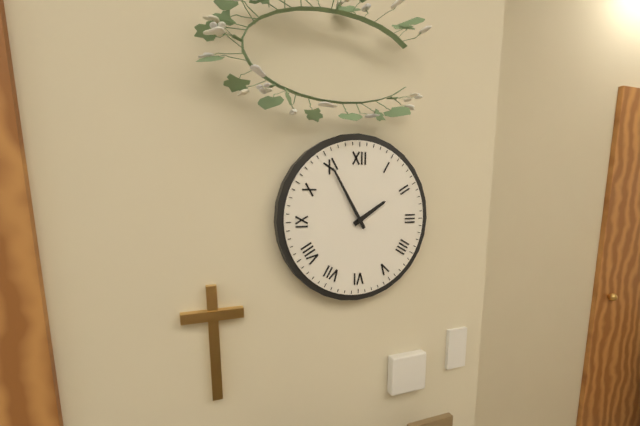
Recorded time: 1:55
